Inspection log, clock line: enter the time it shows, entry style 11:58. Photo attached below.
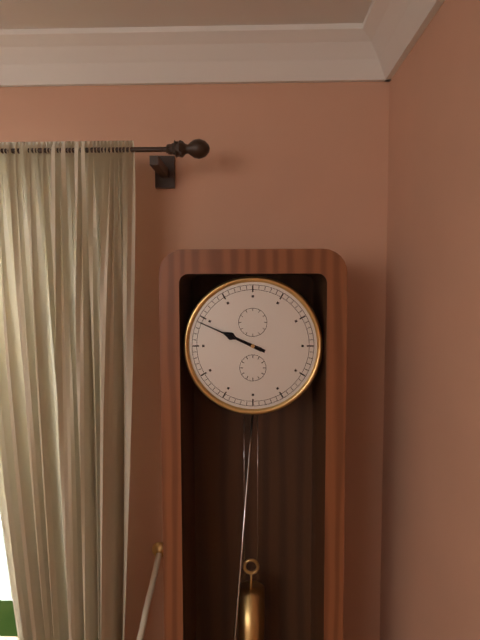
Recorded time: 9:49
